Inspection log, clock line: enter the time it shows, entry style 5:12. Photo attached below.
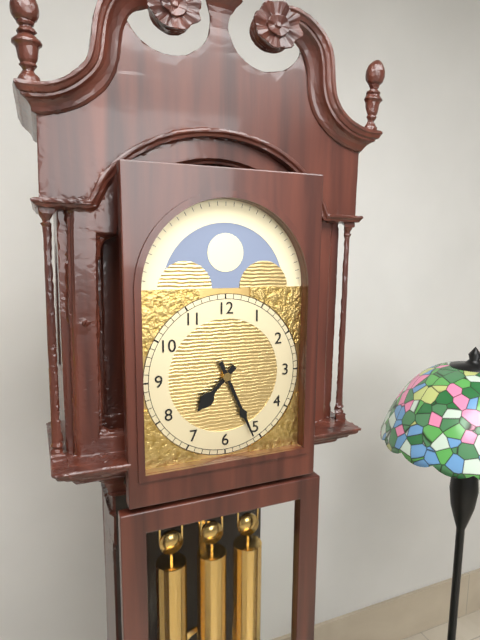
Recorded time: 7:26
